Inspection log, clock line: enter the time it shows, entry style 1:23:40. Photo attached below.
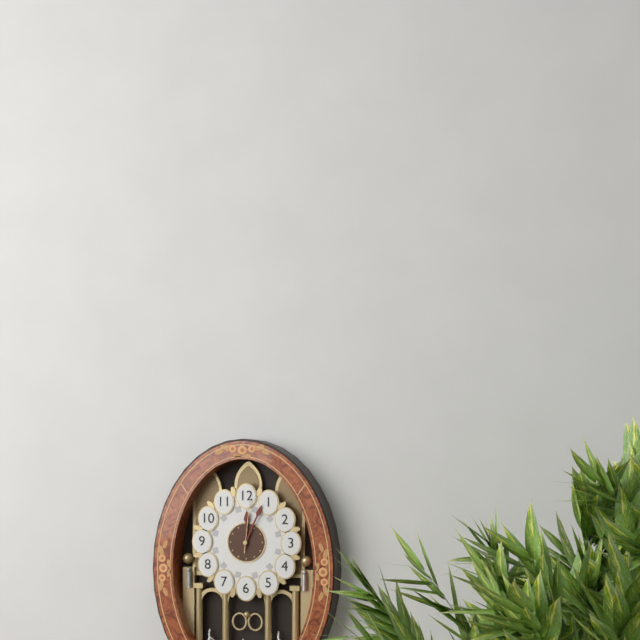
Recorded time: 12:04:01
